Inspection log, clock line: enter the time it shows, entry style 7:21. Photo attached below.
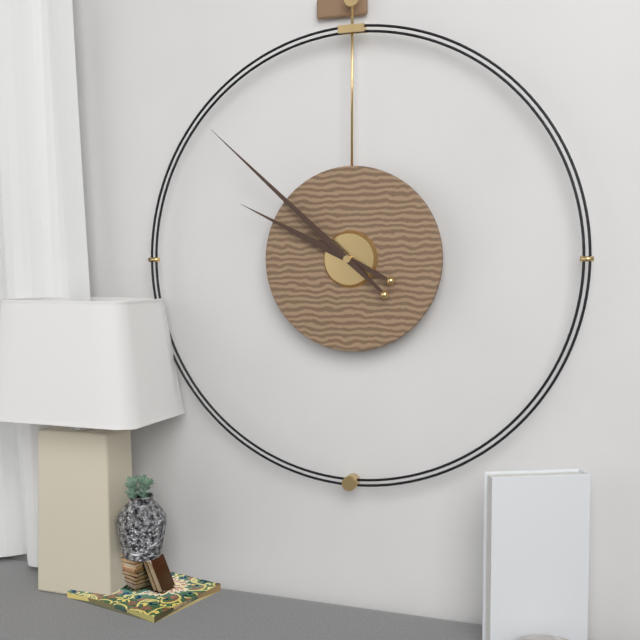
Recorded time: 9:52
